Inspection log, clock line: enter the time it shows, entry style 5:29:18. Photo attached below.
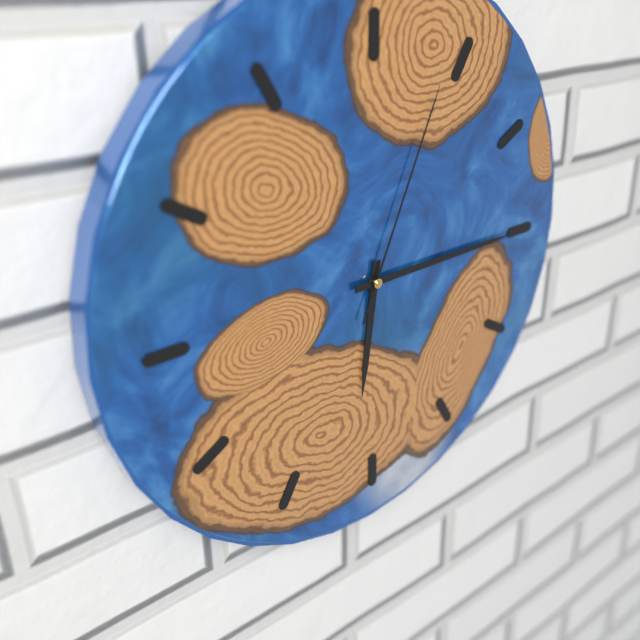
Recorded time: 6:15:04
